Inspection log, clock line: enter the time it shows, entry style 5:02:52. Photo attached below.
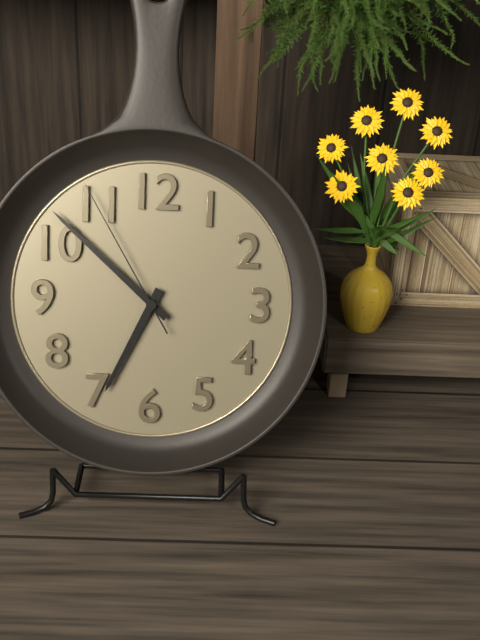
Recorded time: 6:52:55
